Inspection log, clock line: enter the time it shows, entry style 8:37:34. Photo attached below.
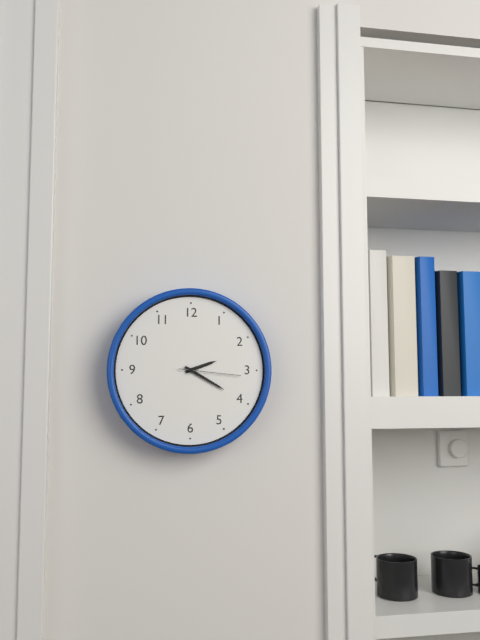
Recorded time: 2:20:16
